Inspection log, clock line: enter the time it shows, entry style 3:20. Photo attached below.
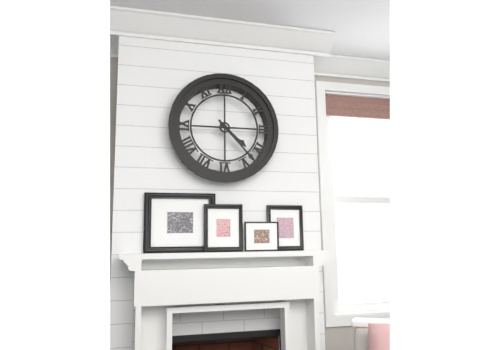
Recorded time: 4:23
